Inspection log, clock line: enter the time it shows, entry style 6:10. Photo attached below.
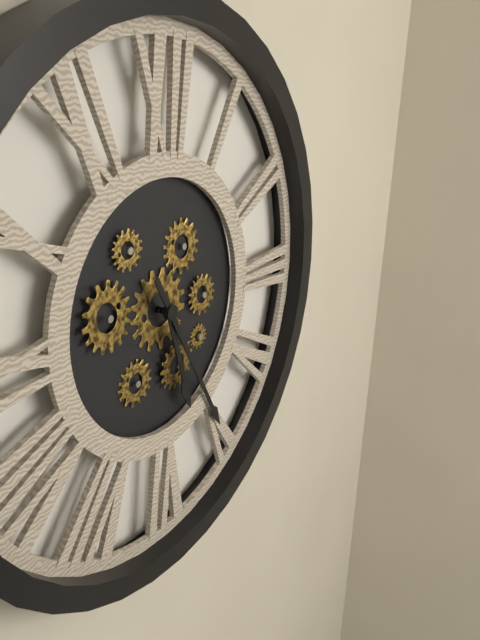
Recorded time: 5:25
